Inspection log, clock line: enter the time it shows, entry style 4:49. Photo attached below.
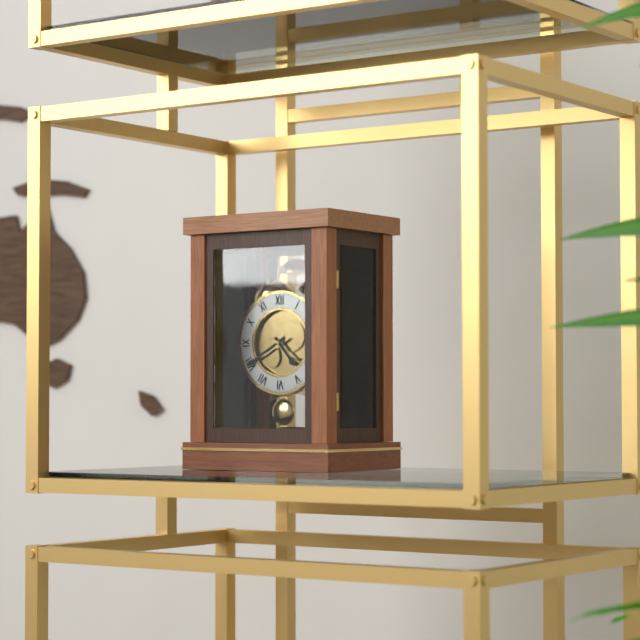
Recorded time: 4:40
